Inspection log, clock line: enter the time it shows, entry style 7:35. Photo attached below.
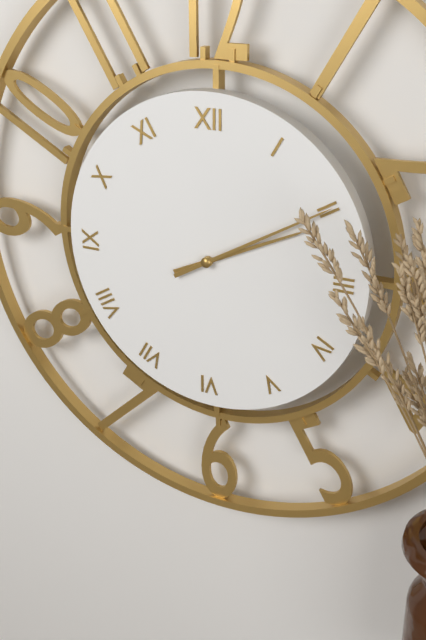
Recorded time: 2:10
